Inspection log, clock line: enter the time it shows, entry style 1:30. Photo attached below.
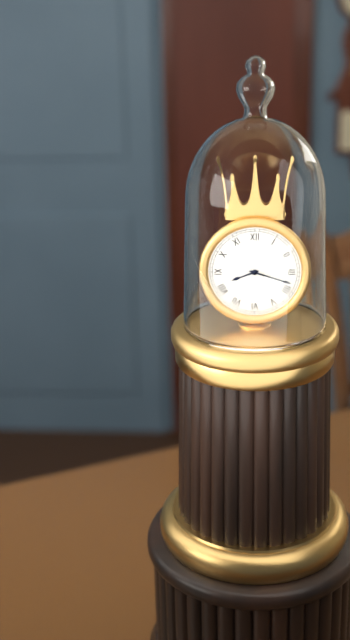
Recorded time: 8:18
